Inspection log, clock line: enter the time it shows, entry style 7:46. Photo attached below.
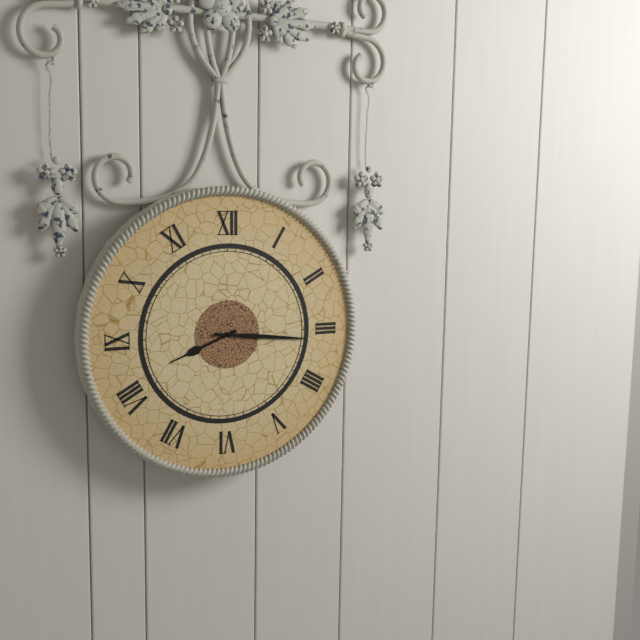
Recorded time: 8:16
